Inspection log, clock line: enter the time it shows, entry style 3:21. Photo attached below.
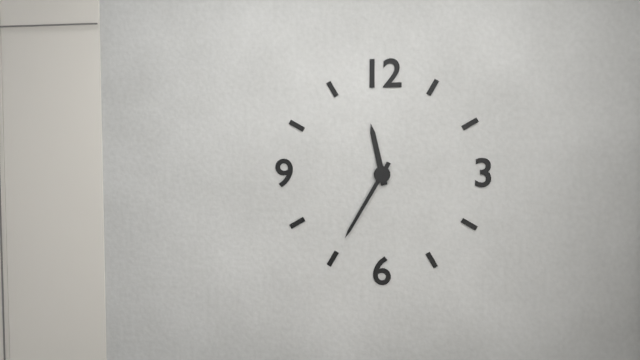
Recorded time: 11:35
